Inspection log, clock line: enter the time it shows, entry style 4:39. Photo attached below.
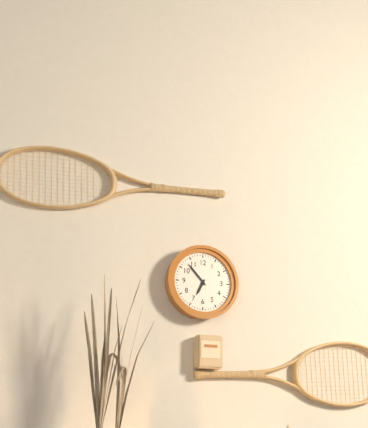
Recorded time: 6:53
